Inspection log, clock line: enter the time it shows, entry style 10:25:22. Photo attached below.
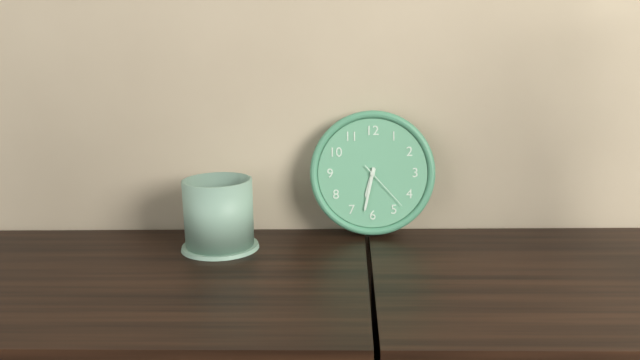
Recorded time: 6:32:23
